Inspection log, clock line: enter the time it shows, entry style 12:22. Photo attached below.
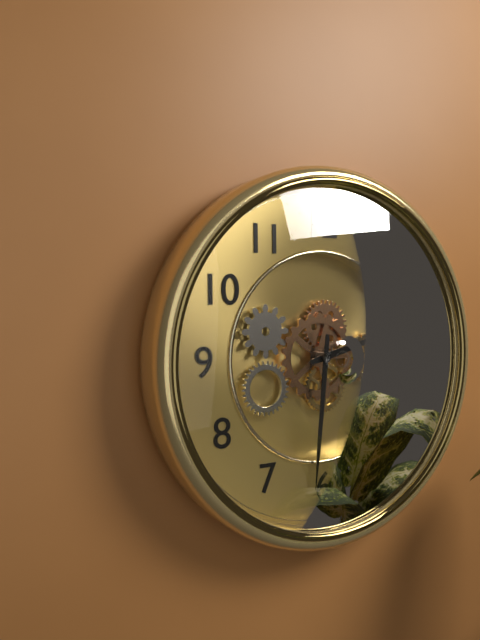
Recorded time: 2:31
